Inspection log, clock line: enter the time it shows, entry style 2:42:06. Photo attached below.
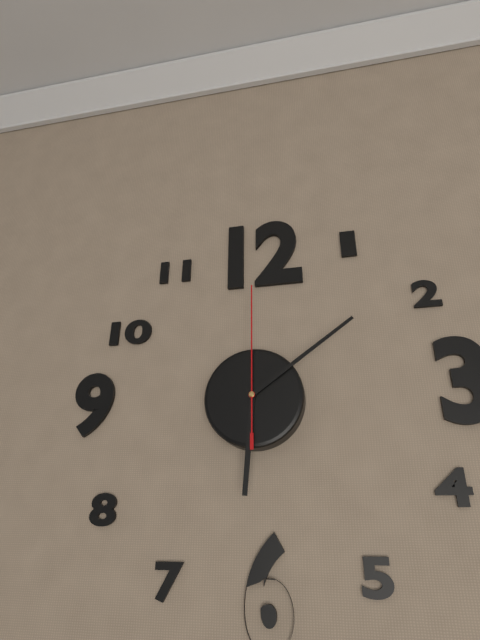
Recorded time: 6:09:00
